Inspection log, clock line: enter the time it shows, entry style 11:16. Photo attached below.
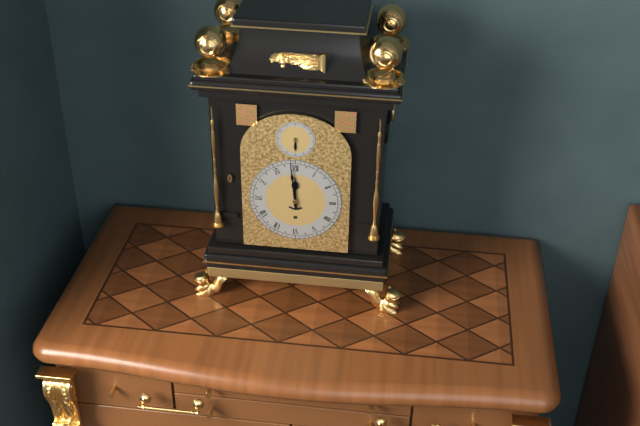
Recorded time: 11:59
